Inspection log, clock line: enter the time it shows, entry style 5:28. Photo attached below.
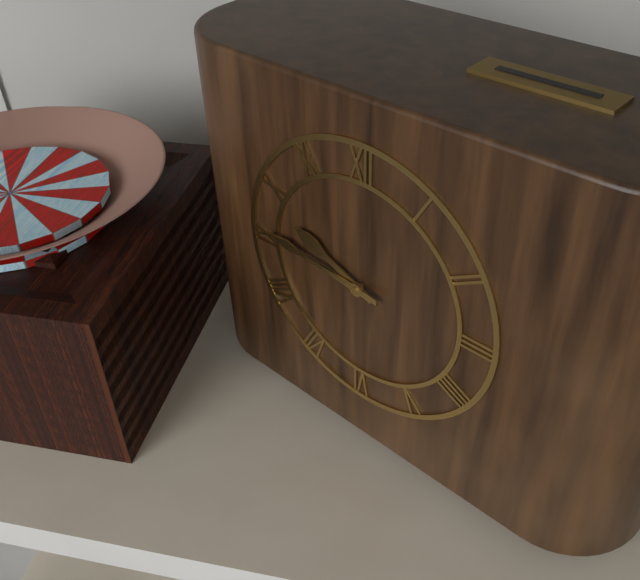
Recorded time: 9:46
